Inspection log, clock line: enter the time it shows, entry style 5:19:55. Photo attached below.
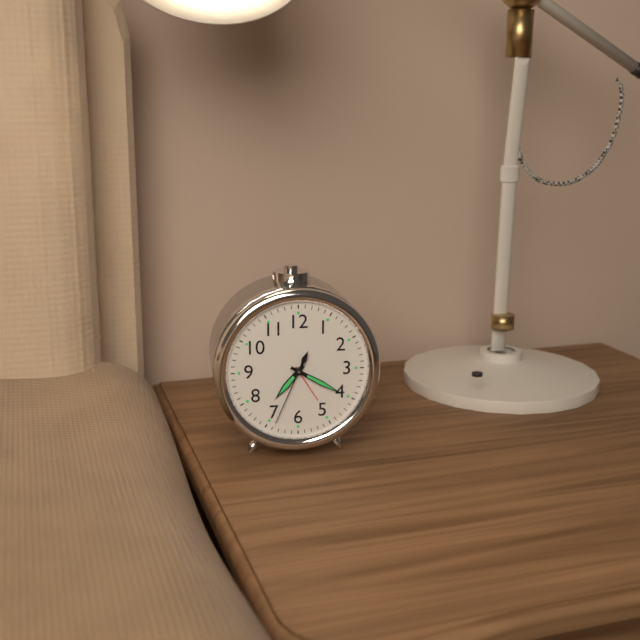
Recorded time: 7:20:34
